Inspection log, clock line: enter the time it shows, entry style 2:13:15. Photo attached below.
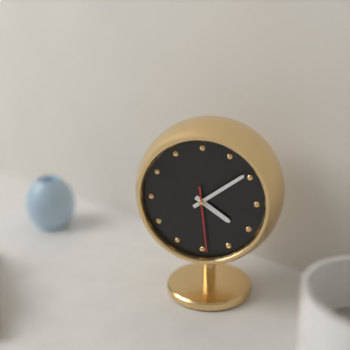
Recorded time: 4:09:29
